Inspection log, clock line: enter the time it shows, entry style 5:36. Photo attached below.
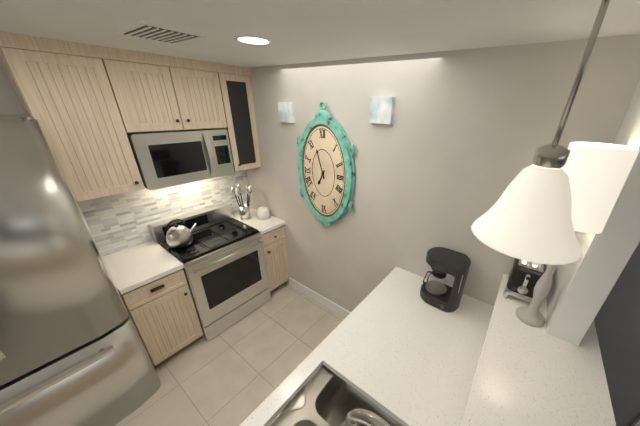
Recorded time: 6:57
